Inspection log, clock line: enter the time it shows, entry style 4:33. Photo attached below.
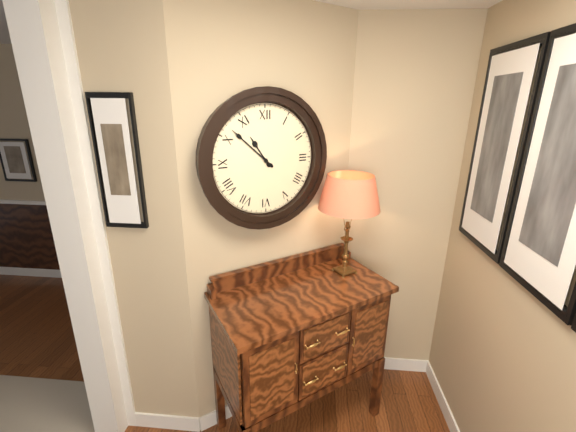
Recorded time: 10:52
